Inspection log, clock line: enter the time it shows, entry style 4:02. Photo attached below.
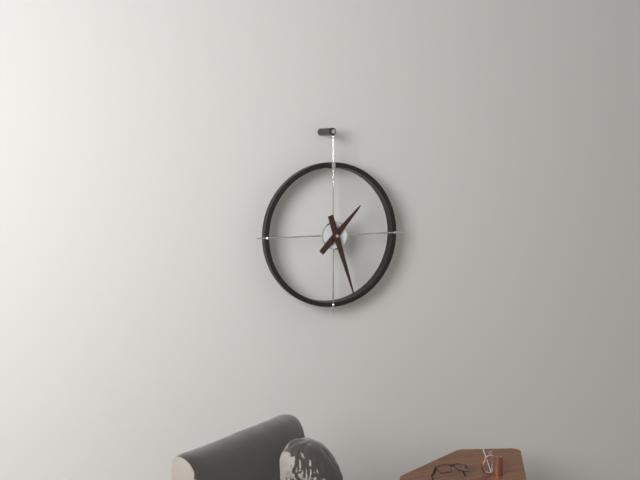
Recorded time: 1:27
